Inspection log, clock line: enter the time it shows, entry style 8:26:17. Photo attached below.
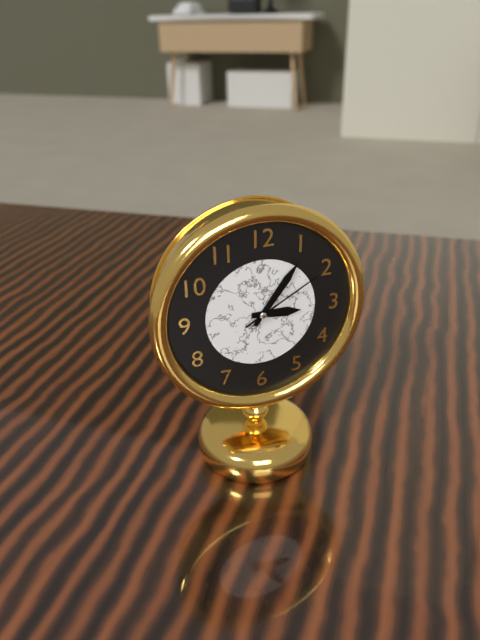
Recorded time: 3:06:10
